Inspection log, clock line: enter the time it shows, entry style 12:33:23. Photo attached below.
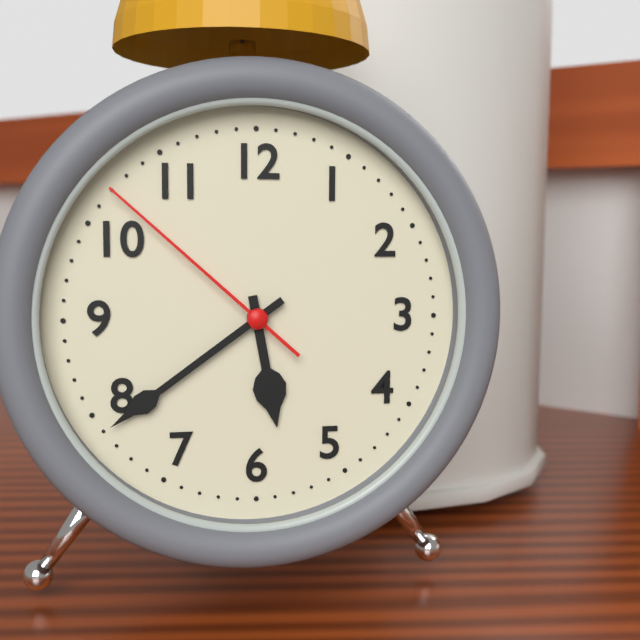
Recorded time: 5:39:52
